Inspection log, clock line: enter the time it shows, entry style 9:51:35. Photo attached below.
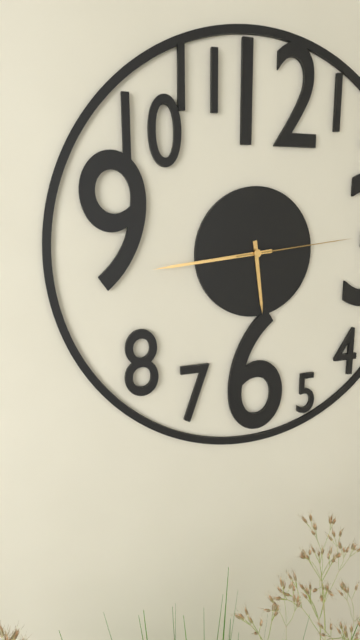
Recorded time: 5:44:14
